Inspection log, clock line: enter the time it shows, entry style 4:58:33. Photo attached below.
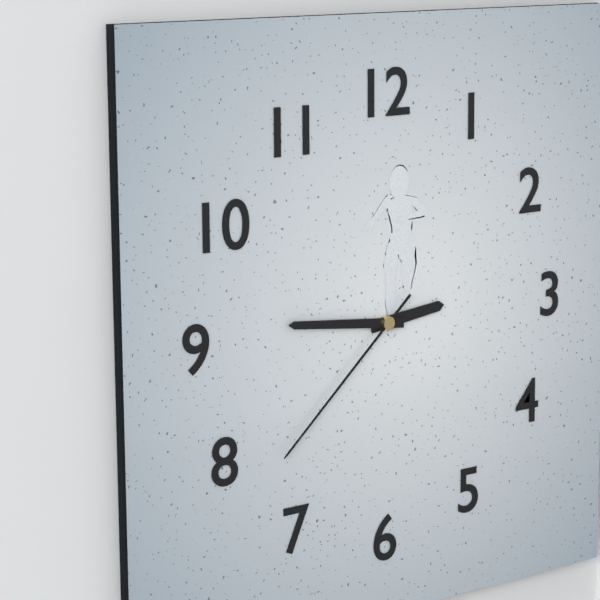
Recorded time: 2:46:38
